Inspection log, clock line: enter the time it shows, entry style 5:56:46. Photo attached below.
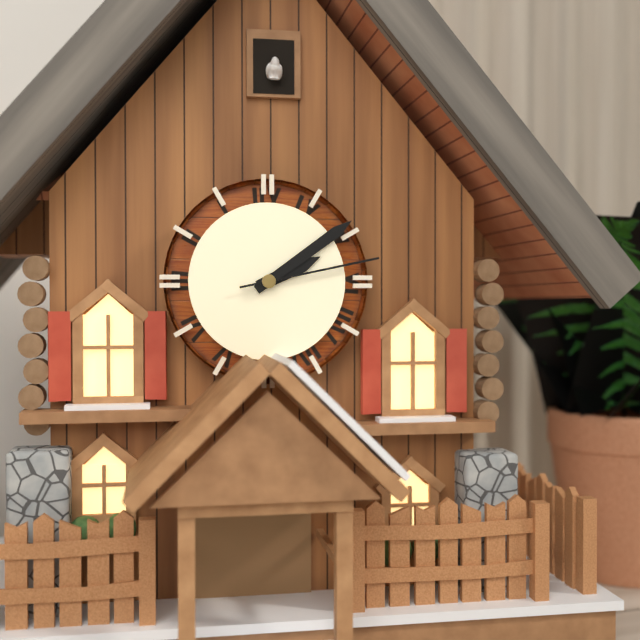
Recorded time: 2:09:13
